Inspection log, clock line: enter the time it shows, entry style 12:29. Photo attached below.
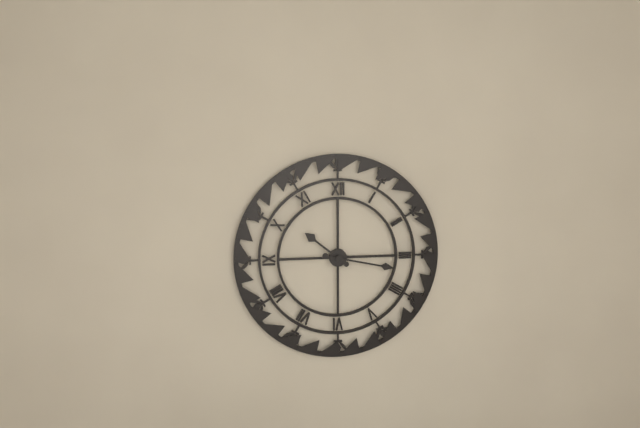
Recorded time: 10:17
